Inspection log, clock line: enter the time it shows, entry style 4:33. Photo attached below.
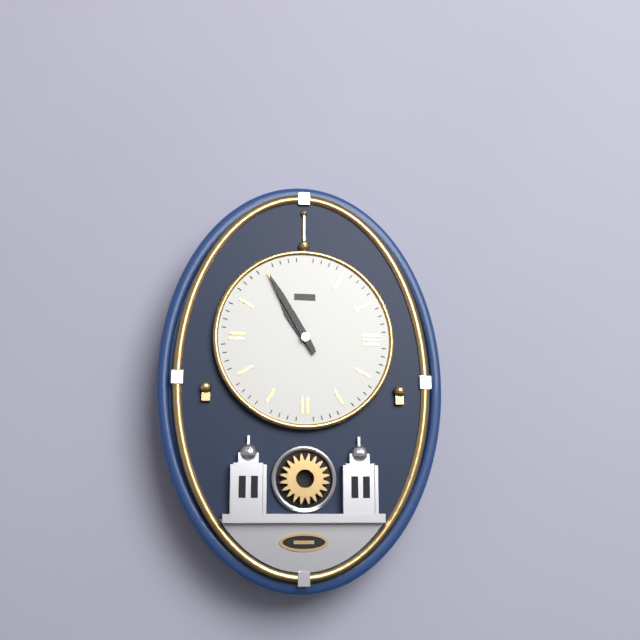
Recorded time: 10:55
